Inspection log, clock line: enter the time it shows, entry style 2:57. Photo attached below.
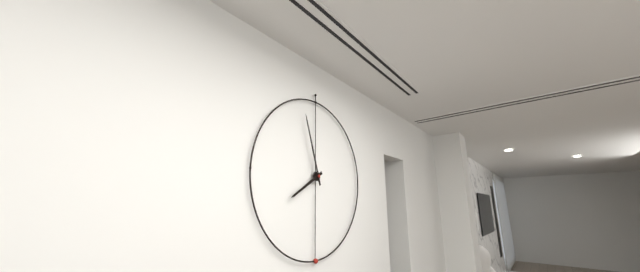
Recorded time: 7:57
